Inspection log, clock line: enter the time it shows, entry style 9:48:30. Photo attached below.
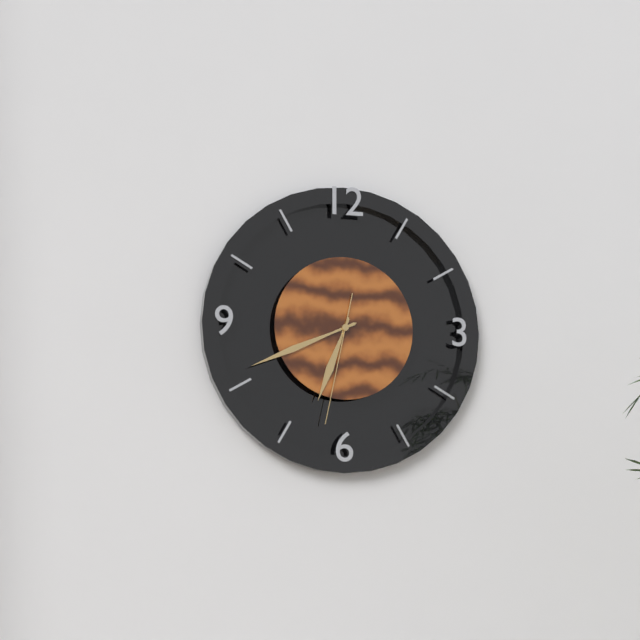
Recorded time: 6:41:32
